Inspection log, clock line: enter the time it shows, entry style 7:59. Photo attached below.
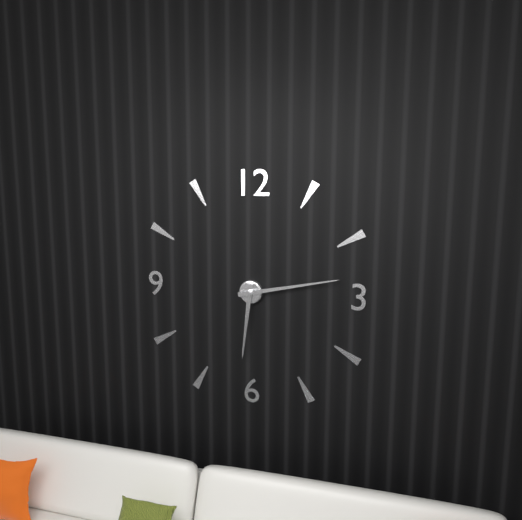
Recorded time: 6:13
